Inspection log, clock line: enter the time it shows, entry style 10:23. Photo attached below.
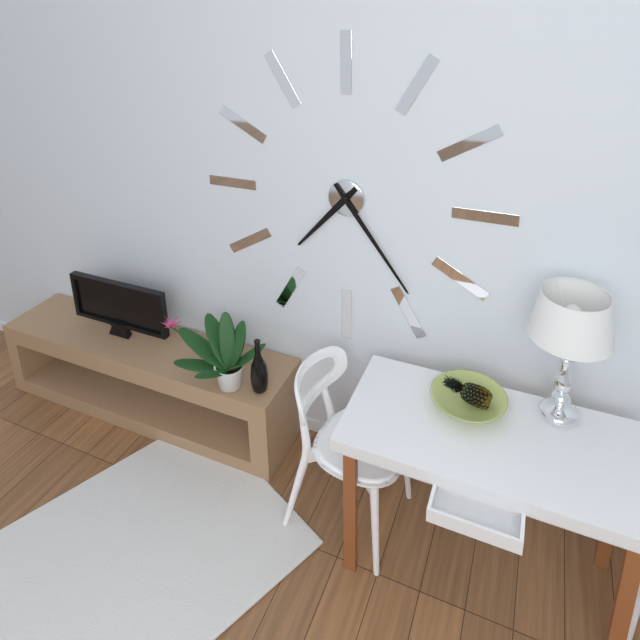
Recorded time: 7:24
